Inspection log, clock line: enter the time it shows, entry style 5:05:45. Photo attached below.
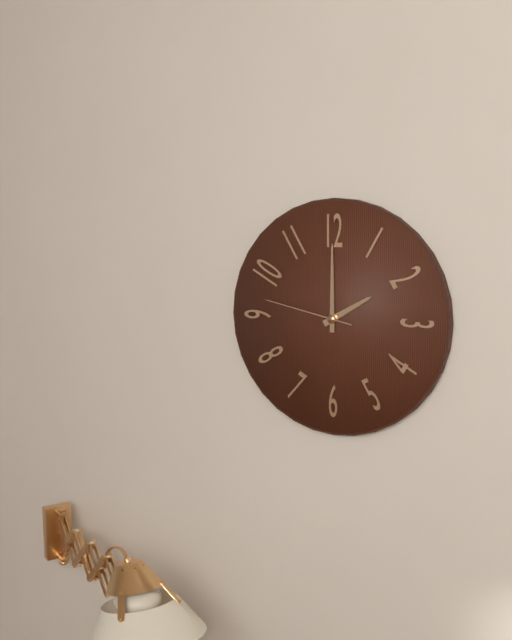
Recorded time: 2:00:47
